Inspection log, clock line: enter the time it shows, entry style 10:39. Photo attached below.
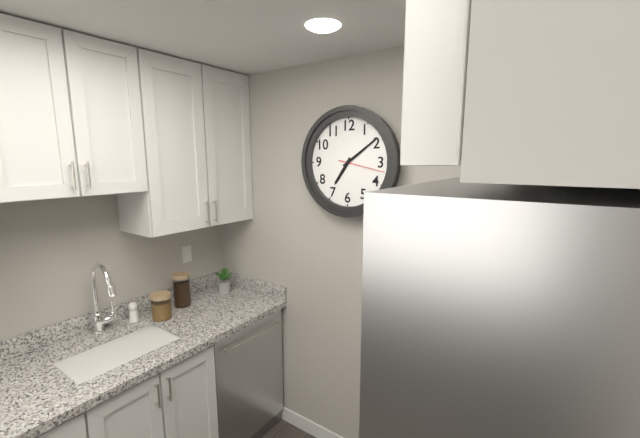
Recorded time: 7:09
